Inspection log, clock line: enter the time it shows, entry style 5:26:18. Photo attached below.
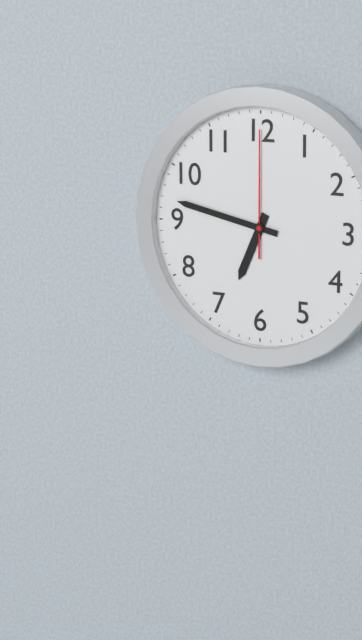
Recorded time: 6:47:00
